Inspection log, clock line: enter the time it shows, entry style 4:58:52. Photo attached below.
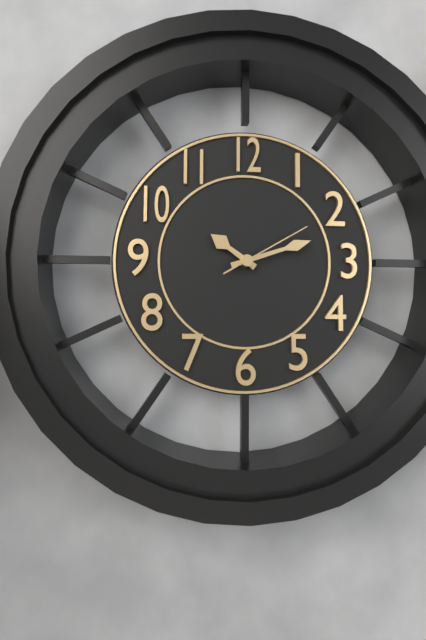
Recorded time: 10:12:10
